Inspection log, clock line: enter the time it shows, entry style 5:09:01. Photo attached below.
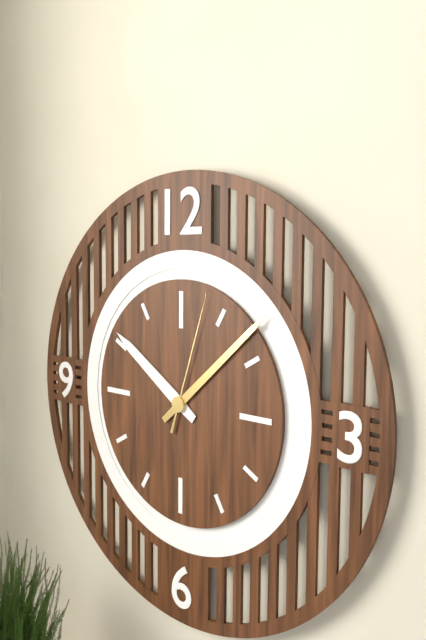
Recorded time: 10:08:03
